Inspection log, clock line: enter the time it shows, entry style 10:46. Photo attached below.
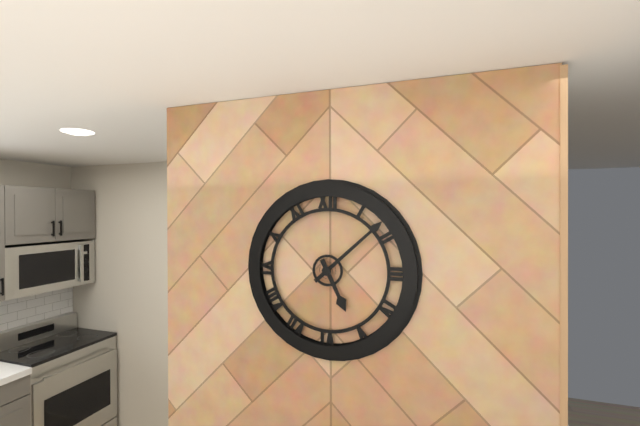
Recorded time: 5:08
